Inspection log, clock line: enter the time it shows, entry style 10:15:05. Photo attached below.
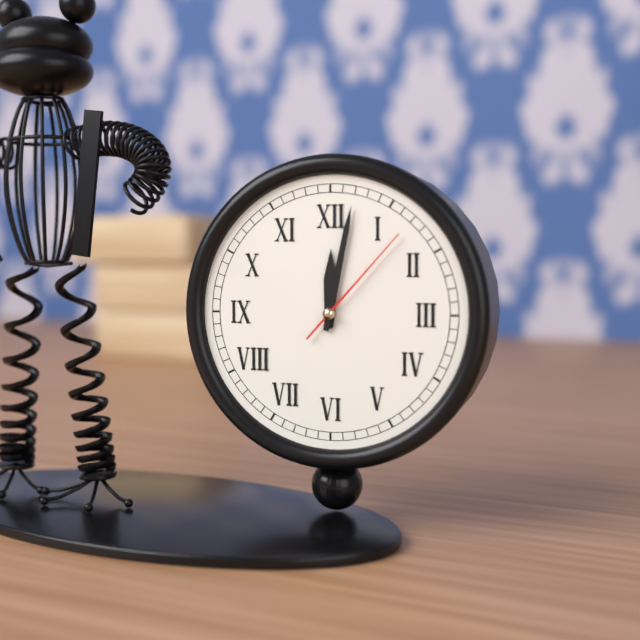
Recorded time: 12:02:07
